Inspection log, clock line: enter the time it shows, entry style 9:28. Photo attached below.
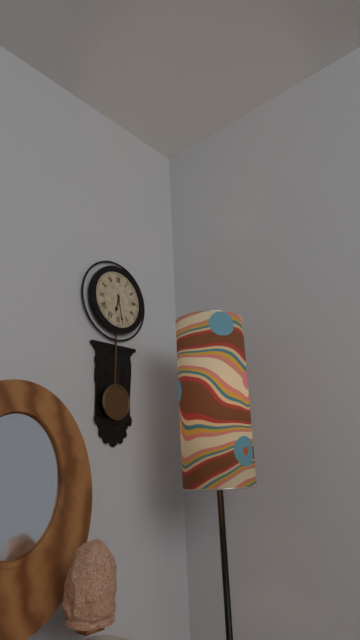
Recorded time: 6:28
